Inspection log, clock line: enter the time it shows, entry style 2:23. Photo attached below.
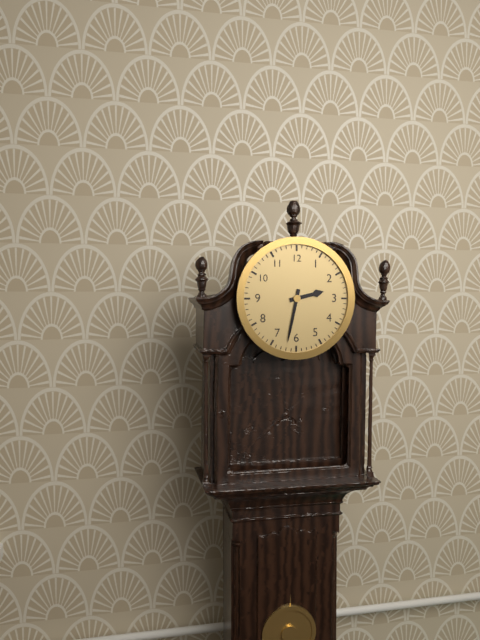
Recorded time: 2:32
